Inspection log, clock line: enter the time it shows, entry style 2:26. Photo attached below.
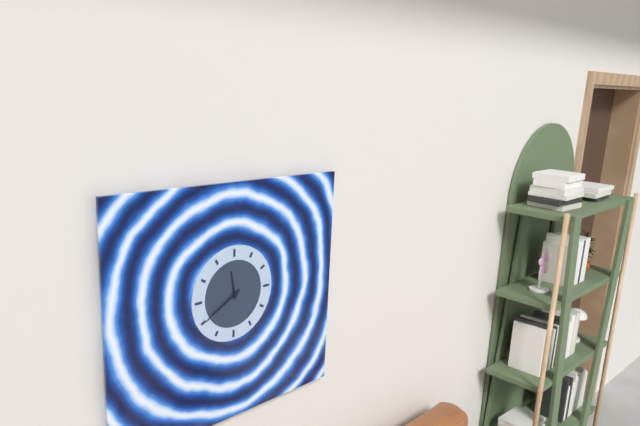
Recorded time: 11:40
